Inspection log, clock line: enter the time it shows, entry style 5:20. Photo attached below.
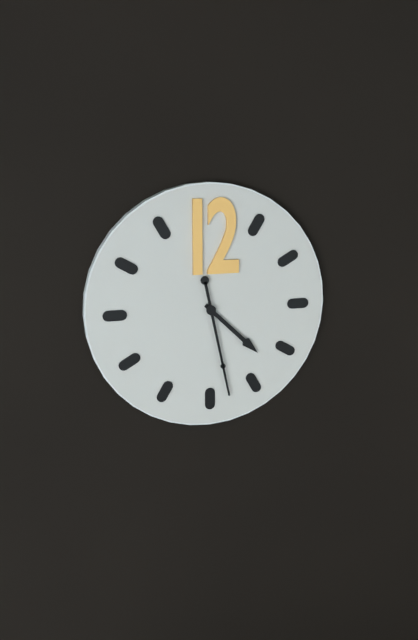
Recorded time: 4:28
